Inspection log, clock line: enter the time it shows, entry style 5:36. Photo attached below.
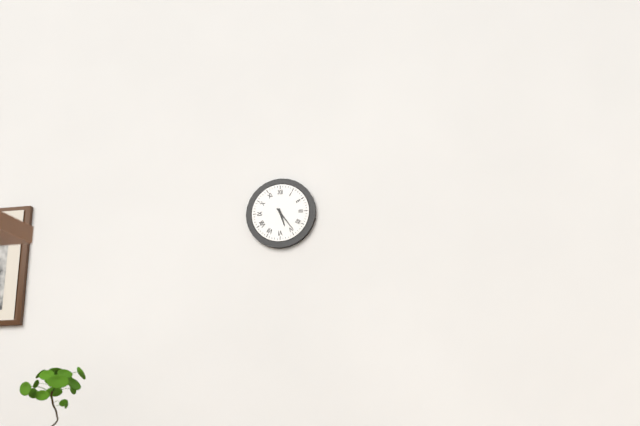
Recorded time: 5:24
